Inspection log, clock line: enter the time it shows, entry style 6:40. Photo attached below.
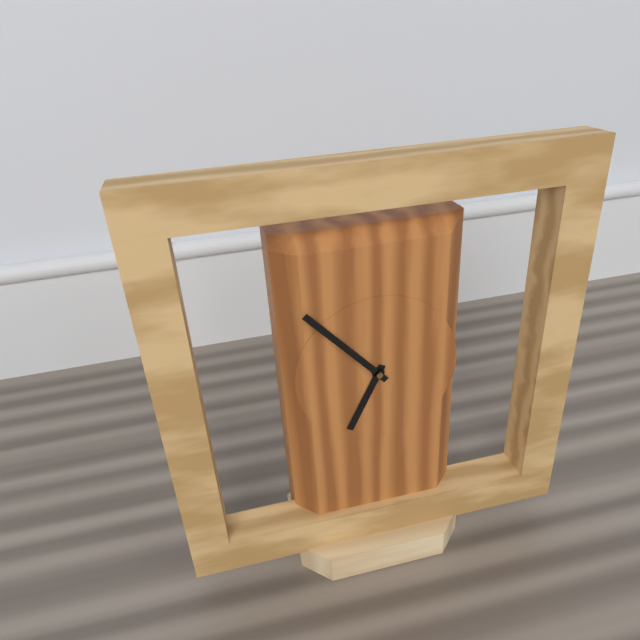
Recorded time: 6:53
